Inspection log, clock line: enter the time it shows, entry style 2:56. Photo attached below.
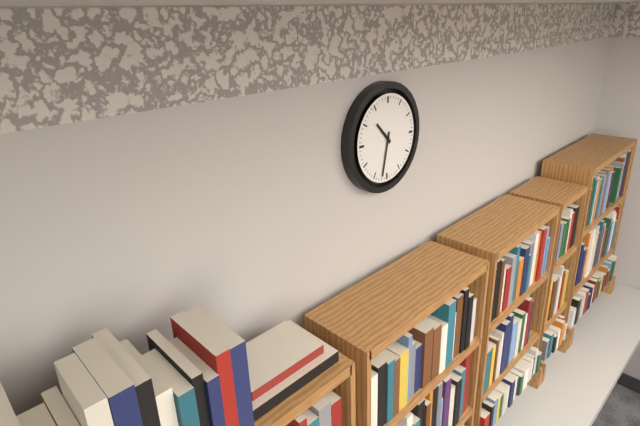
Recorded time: 10:32
